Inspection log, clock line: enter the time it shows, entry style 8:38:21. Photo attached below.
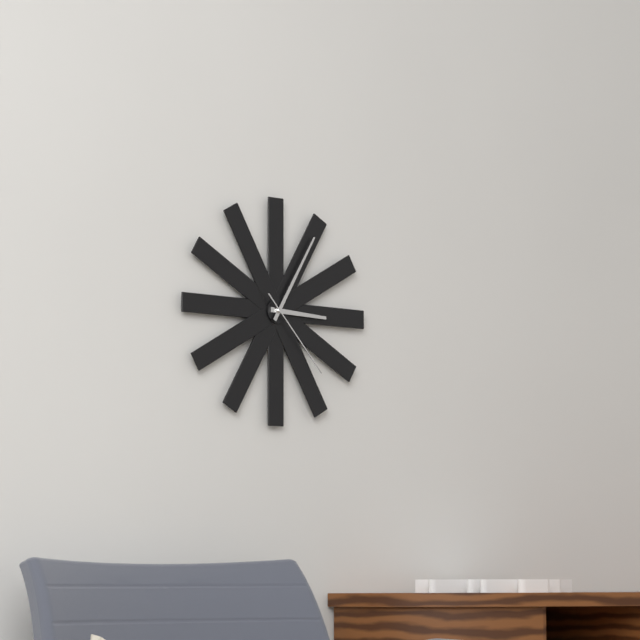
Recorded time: 3:05:23
